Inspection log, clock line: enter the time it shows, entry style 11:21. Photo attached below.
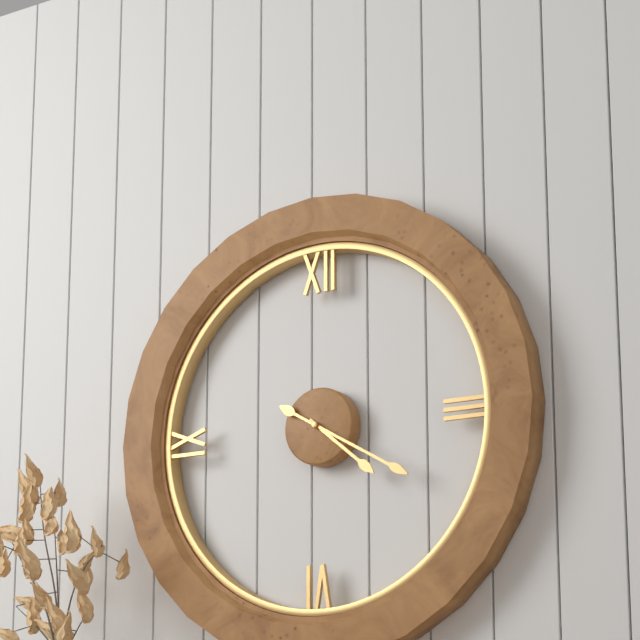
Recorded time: 4:20
